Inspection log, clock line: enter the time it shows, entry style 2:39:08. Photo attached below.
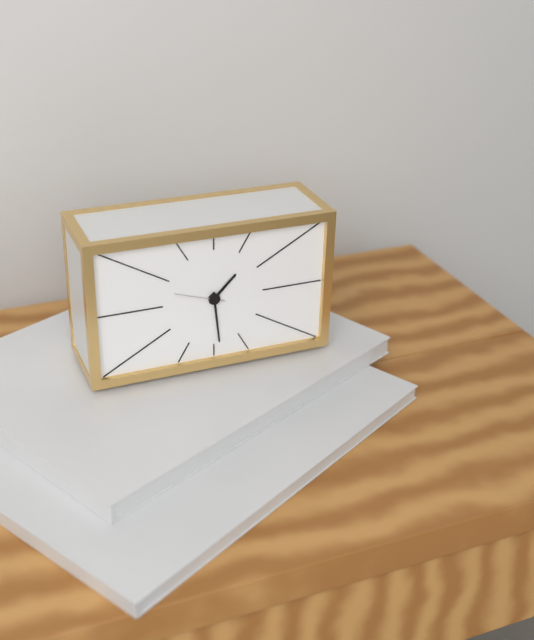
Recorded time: 1:29:48
